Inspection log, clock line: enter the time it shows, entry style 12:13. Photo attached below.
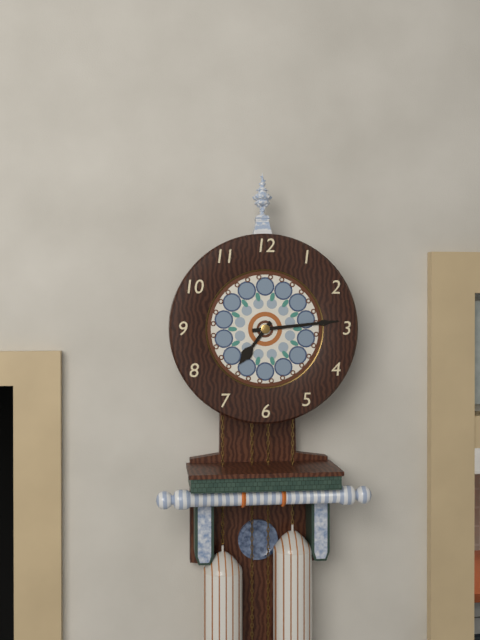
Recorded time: 7:14
